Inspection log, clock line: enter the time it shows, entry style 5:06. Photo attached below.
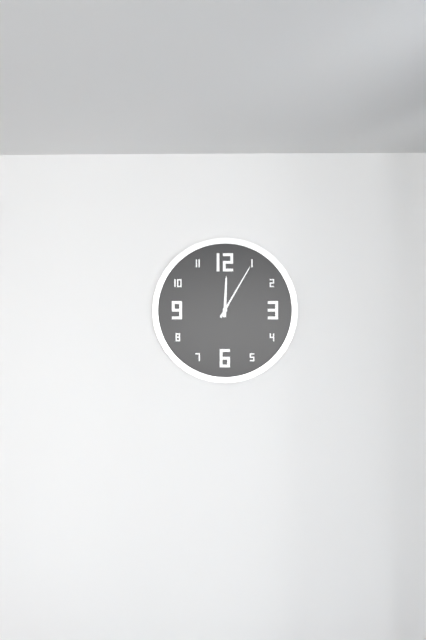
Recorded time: 12:05
